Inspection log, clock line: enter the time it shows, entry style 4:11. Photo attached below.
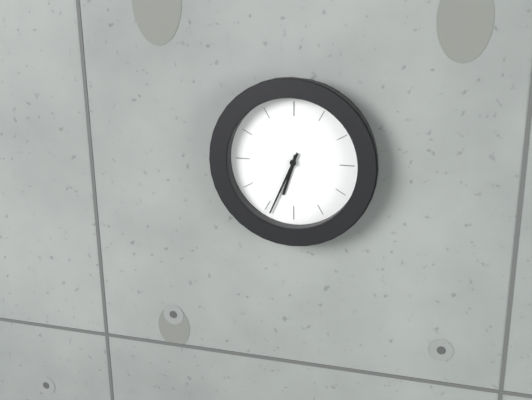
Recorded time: 6:34
